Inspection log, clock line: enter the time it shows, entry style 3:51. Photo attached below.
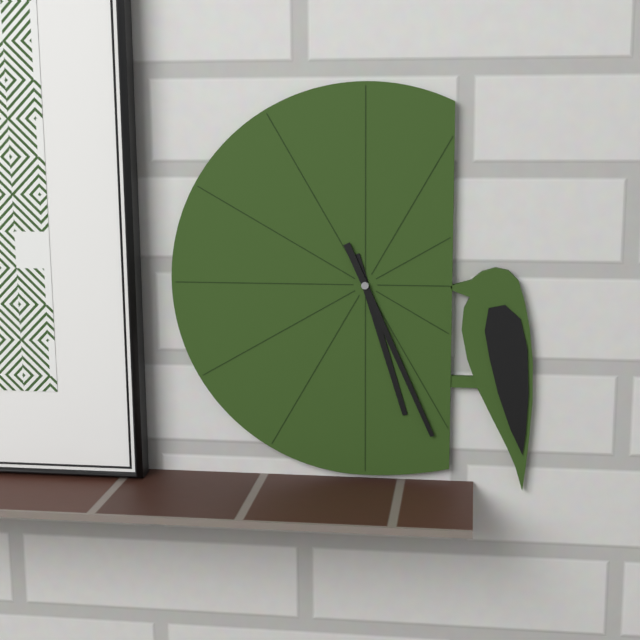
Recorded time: 5:26
